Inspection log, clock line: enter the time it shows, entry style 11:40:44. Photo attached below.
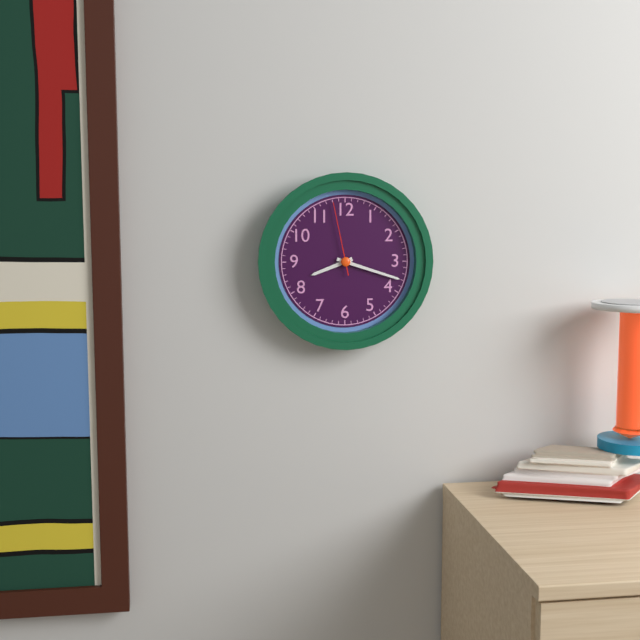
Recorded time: 8:18:58
